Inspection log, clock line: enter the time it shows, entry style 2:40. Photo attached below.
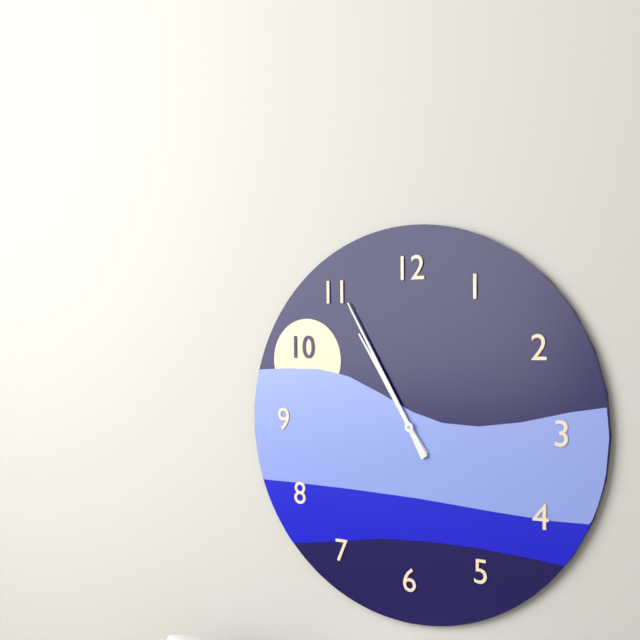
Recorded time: 10:55
